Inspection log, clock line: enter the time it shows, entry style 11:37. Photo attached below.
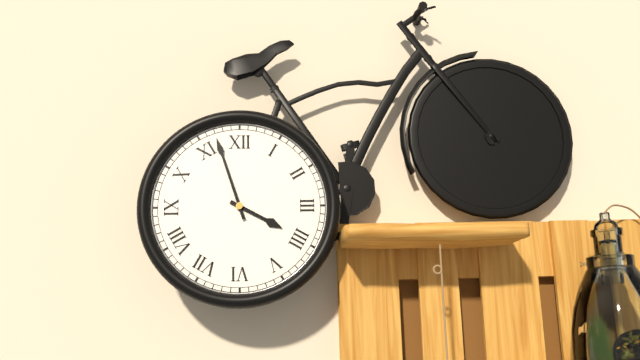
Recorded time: 3:57
